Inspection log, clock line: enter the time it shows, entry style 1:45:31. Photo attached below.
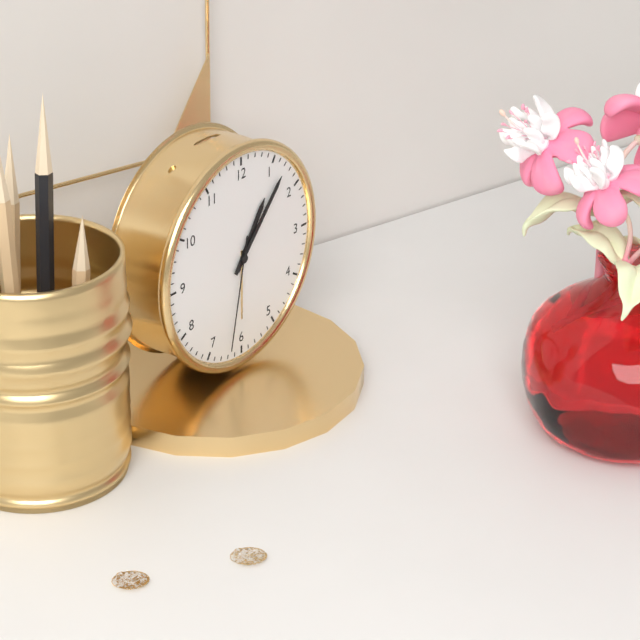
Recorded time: 1:07:32
